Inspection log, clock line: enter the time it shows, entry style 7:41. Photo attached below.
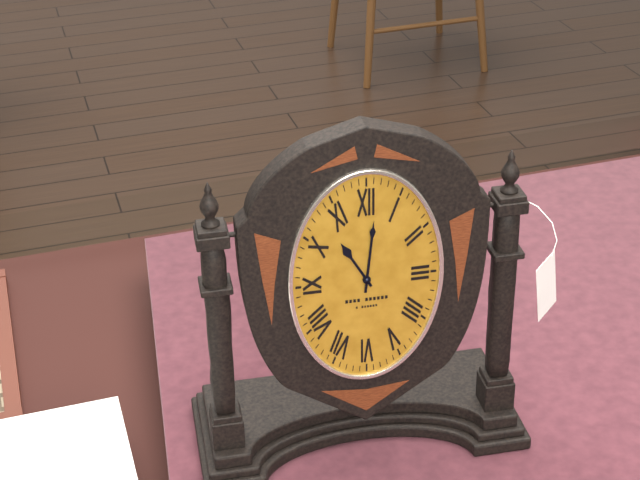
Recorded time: 11:01
